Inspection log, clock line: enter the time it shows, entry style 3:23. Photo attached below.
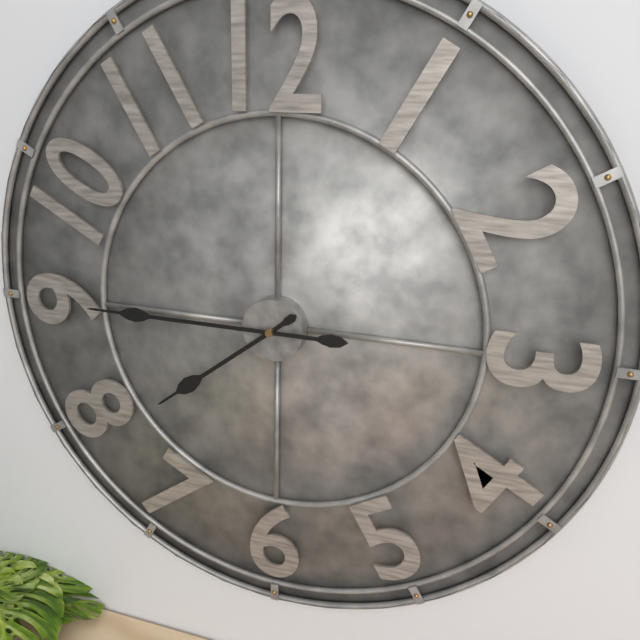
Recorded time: 7:45
